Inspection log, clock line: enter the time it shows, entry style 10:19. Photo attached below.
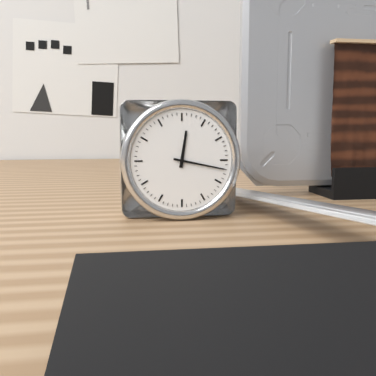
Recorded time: 12:17
